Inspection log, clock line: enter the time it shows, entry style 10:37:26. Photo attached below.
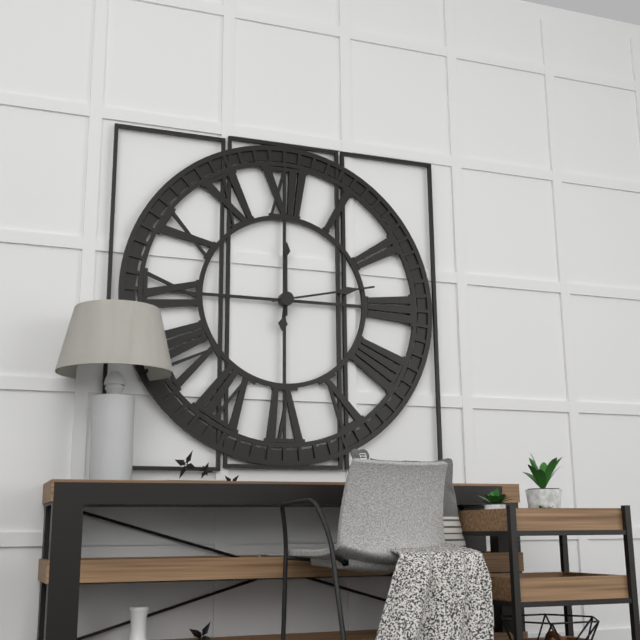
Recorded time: 6:13:00
